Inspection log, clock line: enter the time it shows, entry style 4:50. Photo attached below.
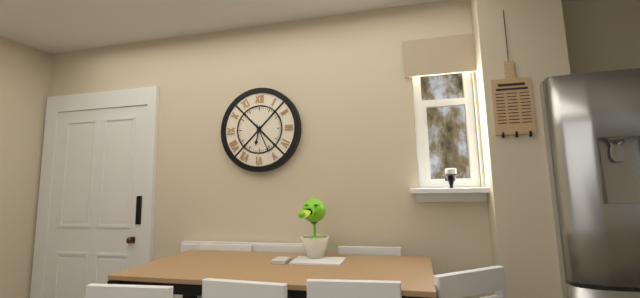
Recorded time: 6:26
